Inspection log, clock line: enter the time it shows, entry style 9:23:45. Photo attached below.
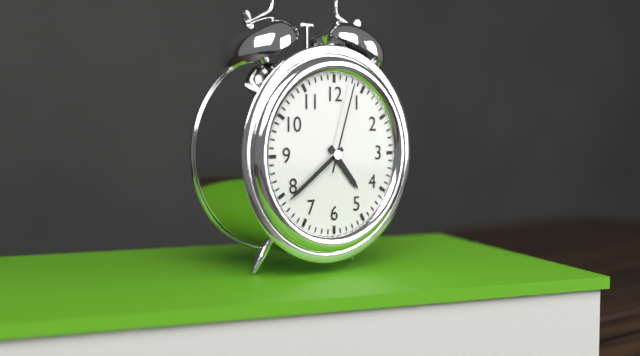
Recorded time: 4:39:03
